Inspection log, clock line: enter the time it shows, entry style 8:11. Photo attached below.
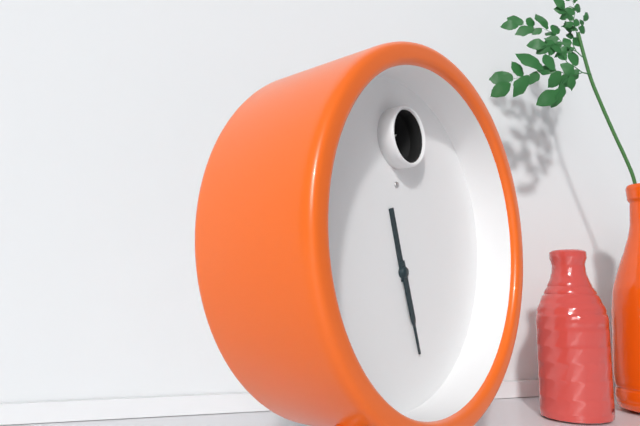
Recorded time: 11:27
